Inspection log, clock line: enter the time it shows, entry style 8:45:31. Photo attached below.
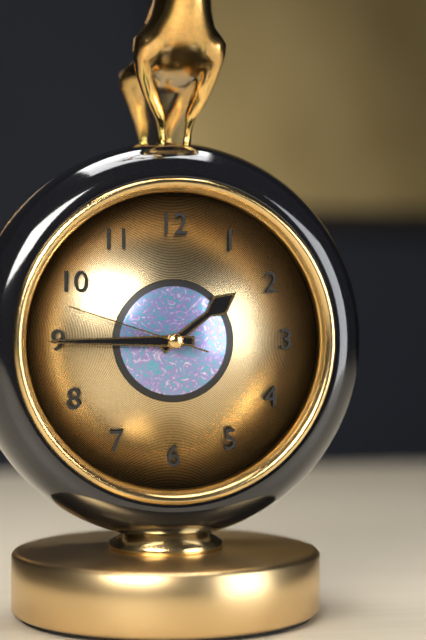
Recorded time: 1:45:48
